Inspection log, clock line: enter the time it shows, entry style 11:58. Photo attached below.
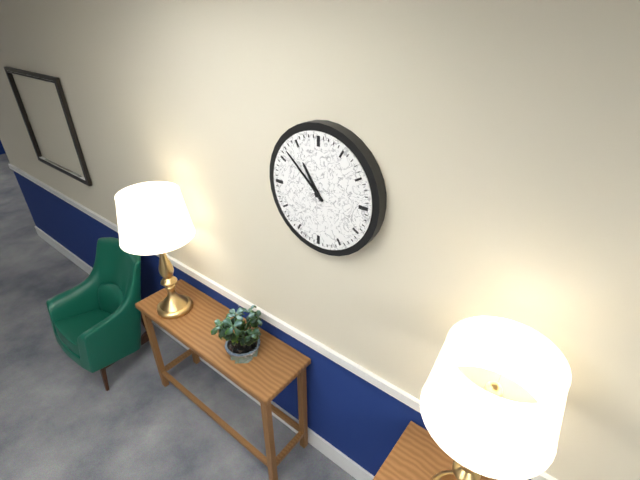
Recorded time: 10:52
